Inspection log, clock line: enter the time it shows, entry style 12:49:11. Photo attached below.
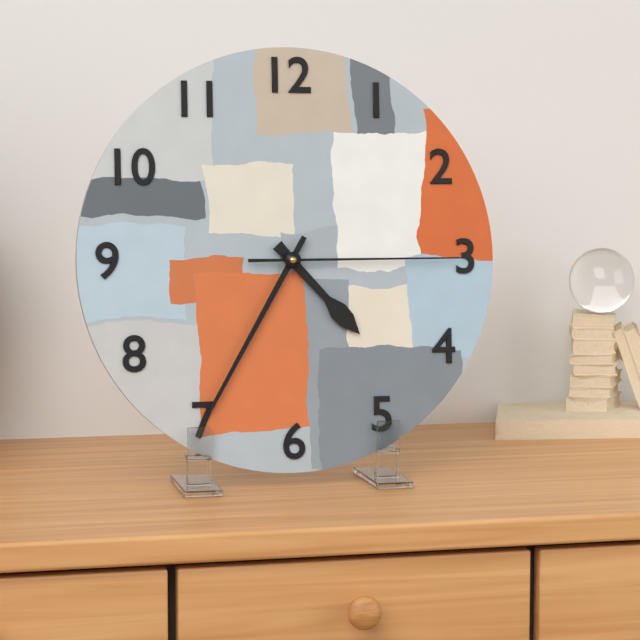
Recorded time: 4:35:15
